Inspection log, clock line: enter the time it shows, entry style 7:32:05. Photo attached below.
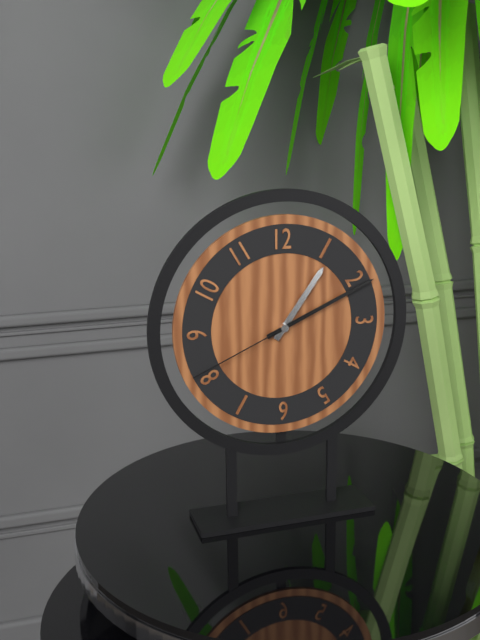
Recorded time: 1:11:41
